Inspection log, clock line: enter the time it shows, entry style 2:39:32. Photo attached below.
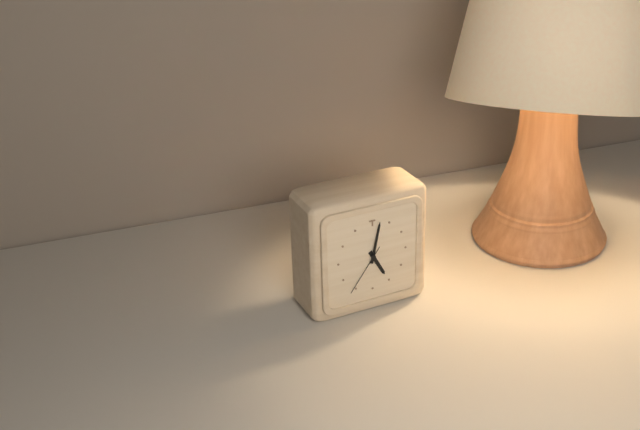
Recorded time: 5:02:36
